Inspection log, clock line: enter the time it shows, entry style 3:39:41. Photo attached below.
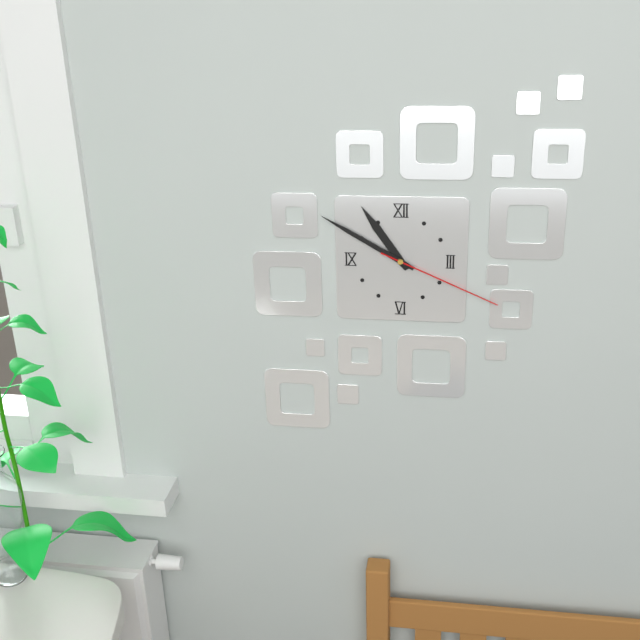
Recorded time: 10:50:19
